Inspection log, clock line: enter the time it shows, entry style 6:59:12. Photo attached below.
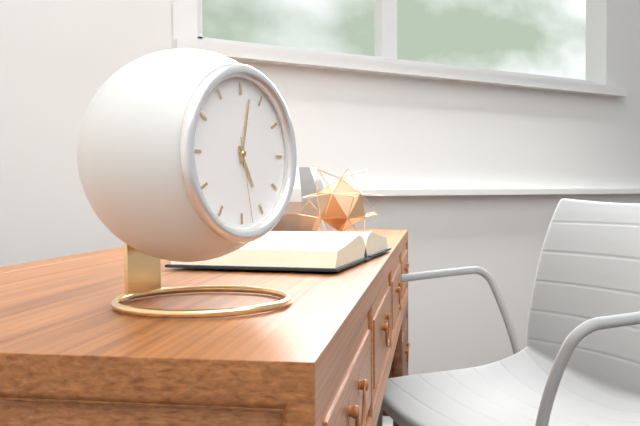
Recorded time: 5:02:28
